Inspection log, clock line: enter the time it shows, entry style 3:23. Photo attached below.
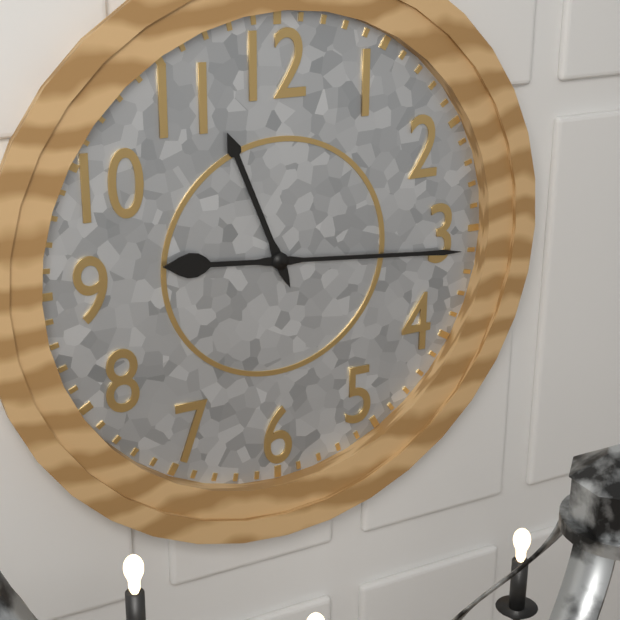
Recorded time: 11:16
